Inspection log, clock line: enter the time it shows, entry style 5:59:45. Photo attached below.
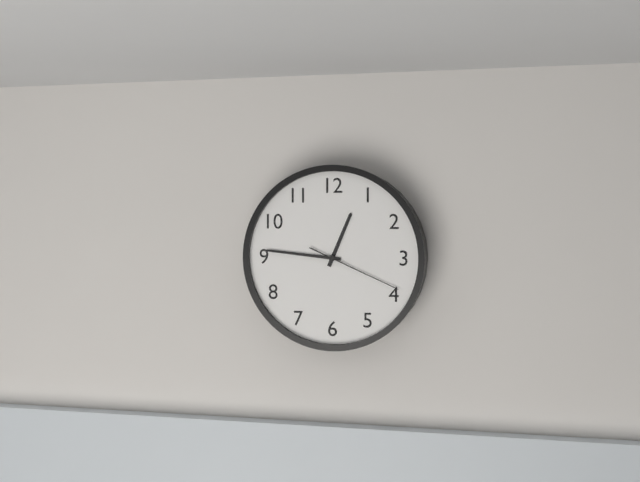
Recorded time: 12:46:19
